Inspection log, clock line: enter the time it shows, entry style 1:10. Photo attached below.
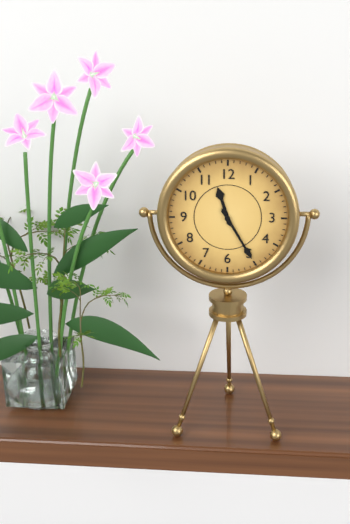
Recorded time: 11:25
